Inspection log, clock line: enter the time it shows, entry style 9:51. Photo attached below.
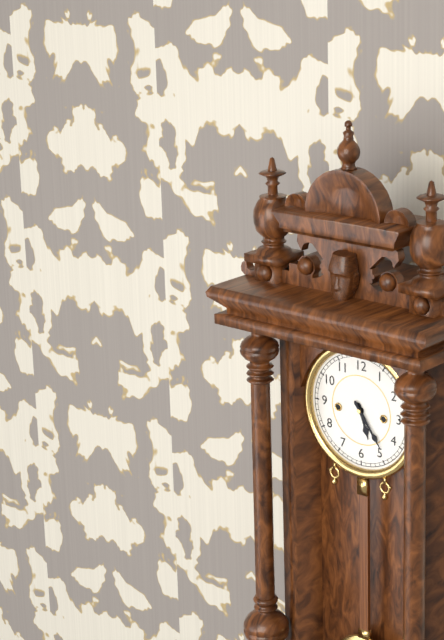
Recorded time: 5:24
